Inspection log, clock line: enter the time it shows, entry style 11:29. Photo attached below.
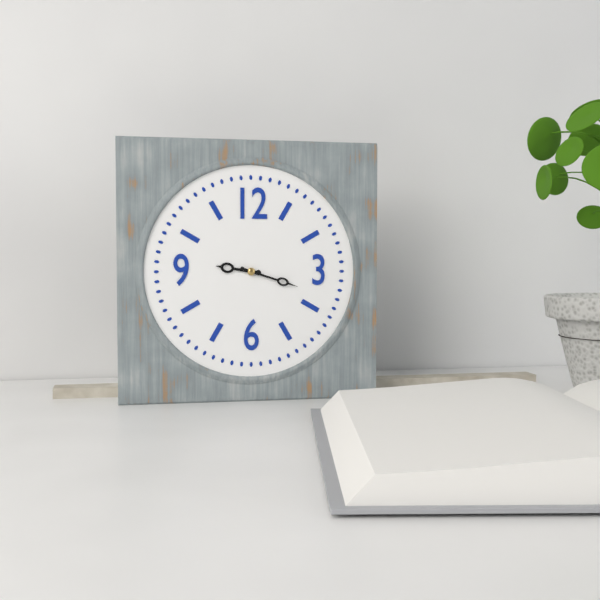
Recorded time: 9:18
